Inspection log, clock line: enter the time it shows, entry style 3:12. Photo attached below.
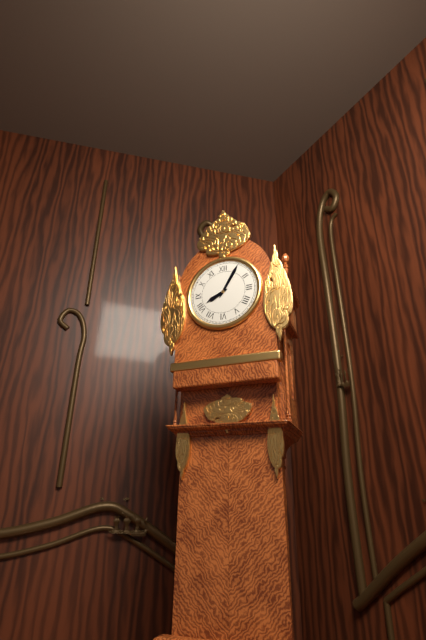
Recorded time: 8:05
